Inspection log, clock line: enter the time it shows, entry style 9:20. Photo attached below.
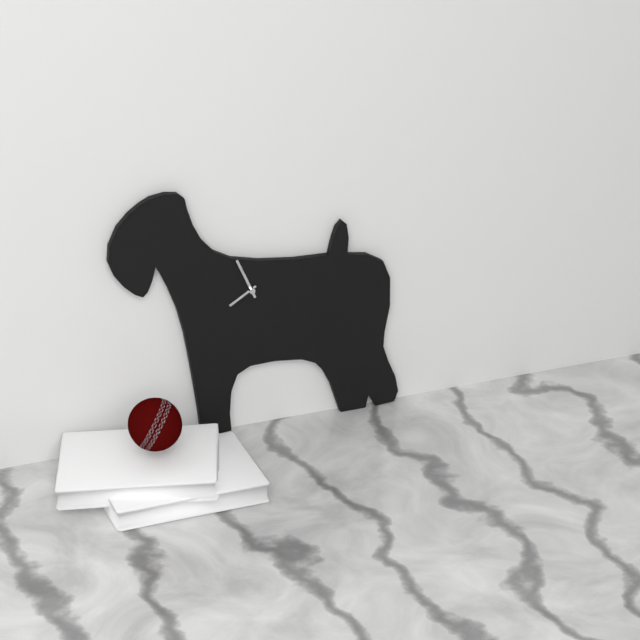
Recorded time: 7:56
